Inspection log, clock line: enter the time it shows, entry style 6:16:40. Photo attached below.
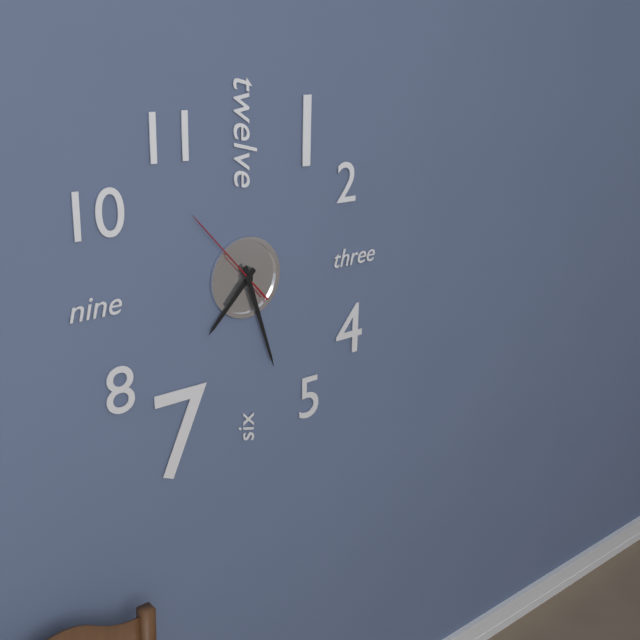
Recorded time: 7:27:53
